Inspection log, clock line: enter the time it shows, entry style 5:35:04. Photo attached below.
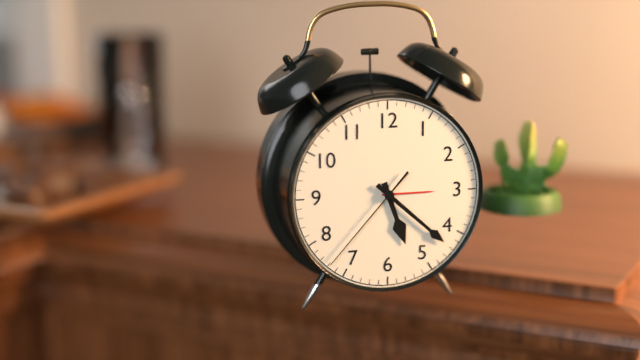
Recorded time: 5:22:37
